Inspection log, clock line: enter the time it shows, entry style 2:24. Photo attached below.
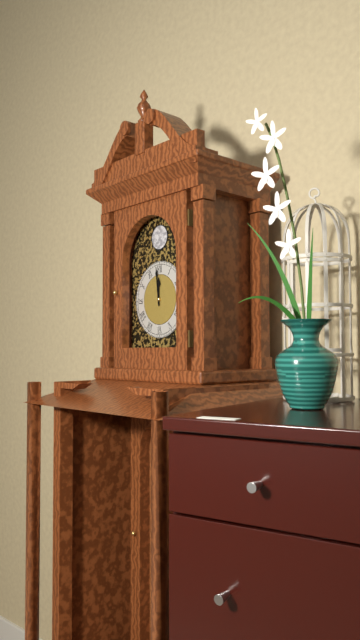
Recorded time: 11:59
